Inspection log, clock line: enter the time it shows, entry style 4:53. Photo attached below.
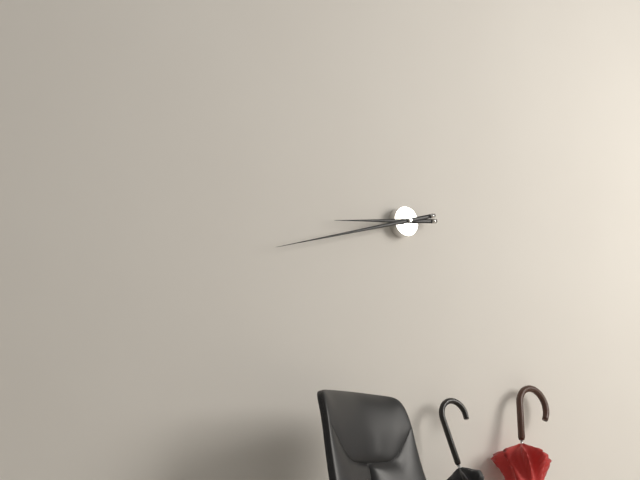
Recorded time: 8:42
